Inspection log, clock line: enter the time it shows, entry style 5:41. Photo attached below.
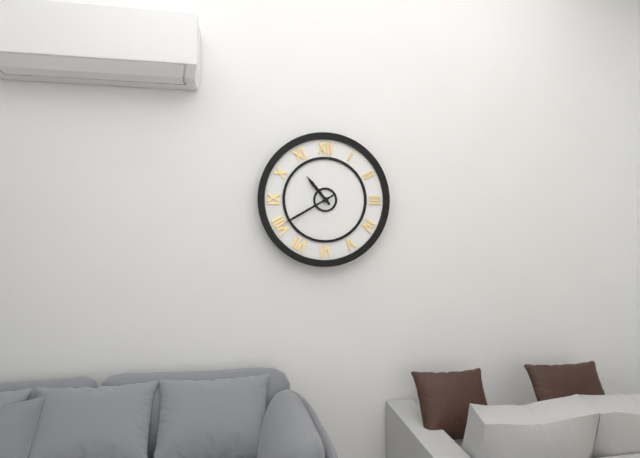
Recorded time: 10:40
